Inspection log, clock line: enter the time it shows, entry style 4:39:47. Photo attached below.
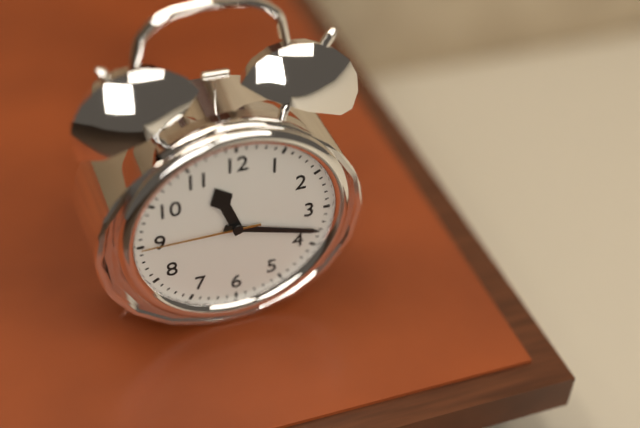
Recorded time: 11:18:45
